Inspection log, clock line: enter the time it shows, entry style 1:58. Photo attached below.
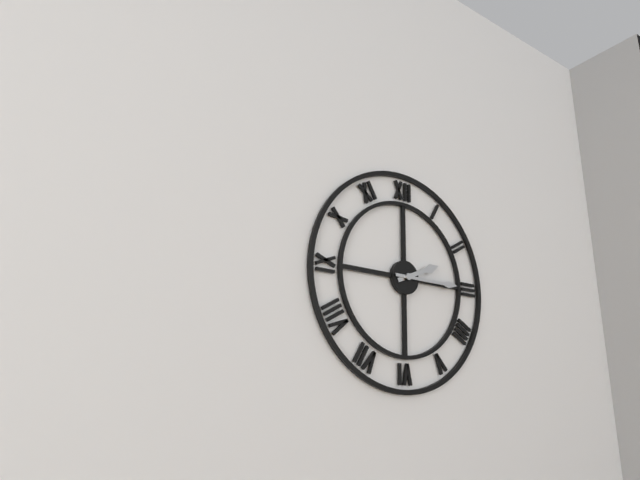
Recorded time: 2:15
